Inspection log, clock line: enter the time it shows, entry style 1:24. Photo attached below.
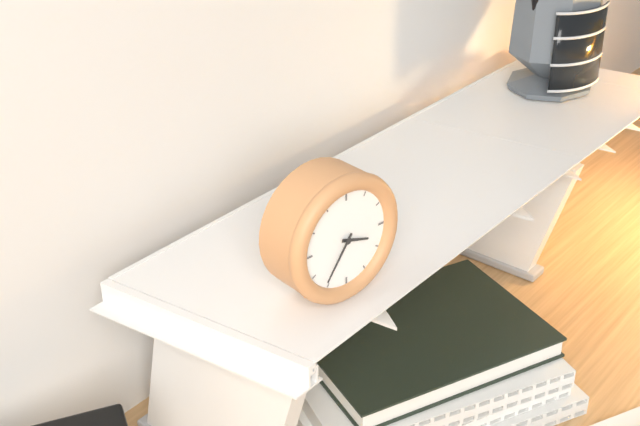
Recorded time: 3:36
